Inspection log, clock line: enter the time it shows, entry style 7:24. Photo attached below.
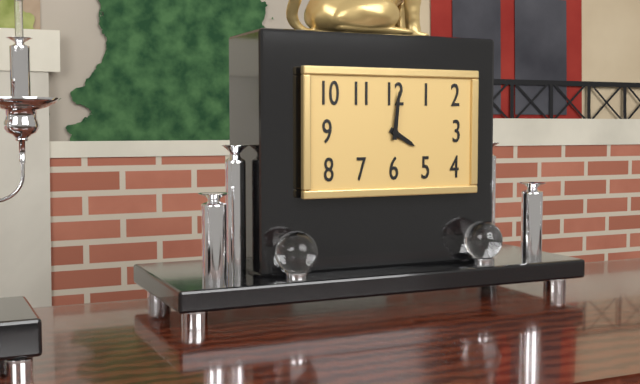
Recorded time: 4:01
